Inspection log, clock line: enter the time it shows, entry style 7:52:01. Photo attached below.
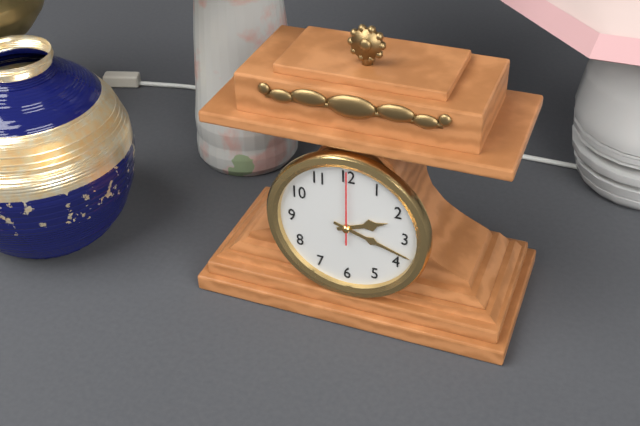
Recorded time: 2:18:00
